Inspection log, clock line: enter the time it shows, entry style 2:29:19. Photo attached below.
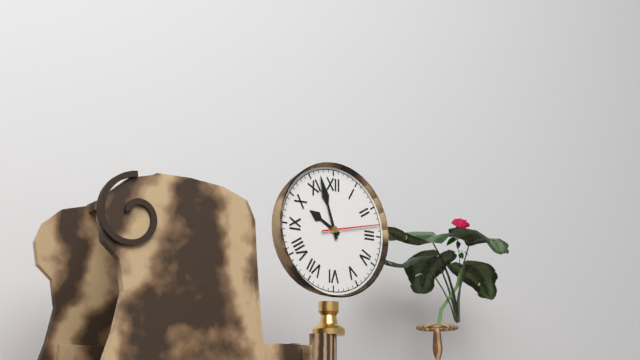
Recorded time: 9:57:13
